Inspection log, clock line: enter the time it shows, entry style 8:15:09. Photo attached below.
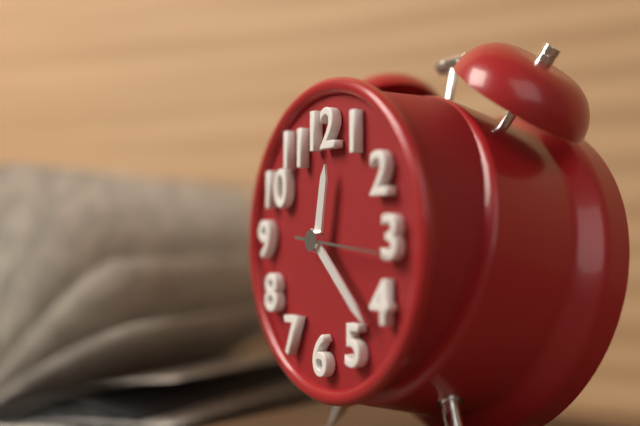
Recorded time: 12:22:16
